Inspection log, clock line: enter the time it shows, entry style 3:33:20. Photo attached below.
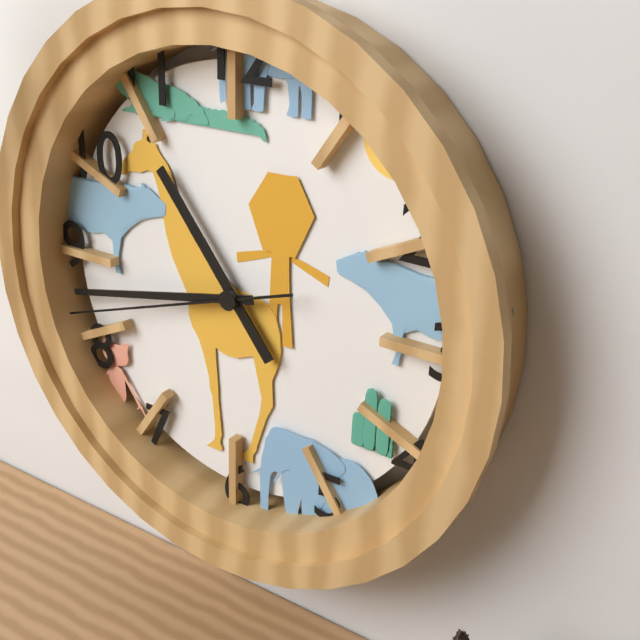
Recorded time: 10:43:42
